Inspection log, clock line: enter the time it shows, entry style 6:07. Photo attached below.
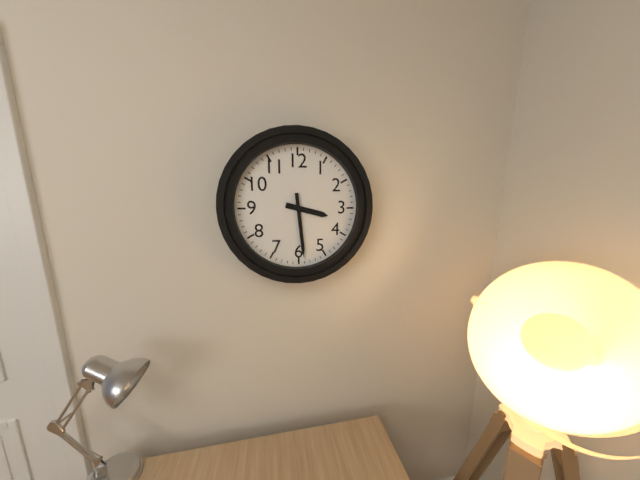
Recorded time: 3:29
